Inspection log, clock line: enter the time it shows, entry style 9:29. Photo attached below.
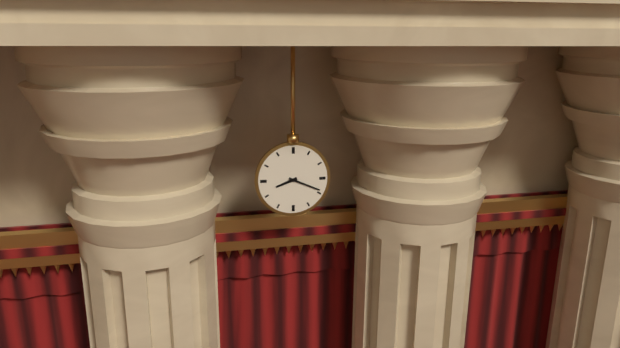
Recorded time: 8:19
